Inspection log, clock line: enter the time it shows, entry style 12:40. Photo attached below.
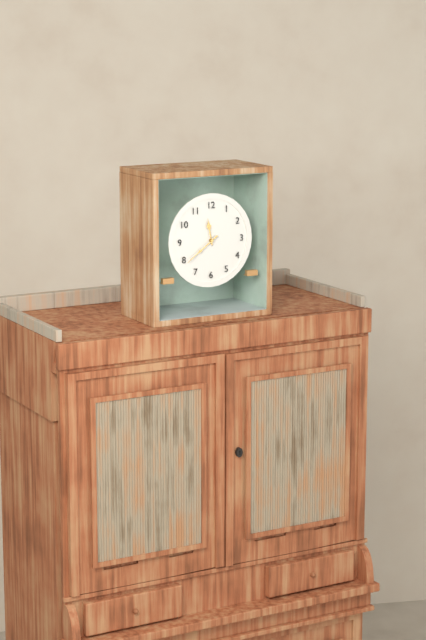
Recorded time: 11:39
